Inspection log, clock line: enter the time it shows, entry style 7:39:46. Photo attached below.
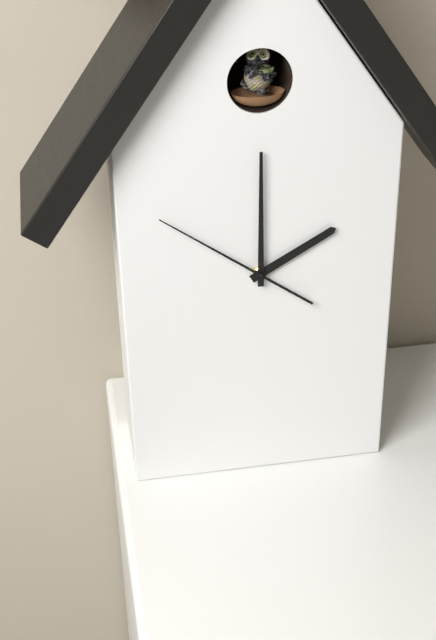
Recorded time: 2:00:51
